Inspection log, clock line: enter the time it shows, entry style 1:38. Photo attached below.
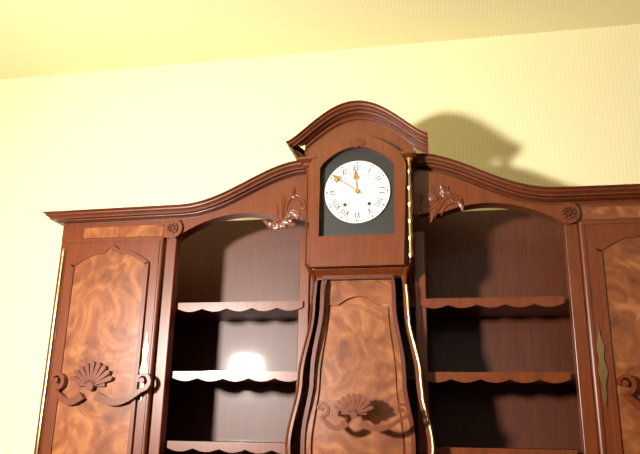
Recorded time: 11:51
